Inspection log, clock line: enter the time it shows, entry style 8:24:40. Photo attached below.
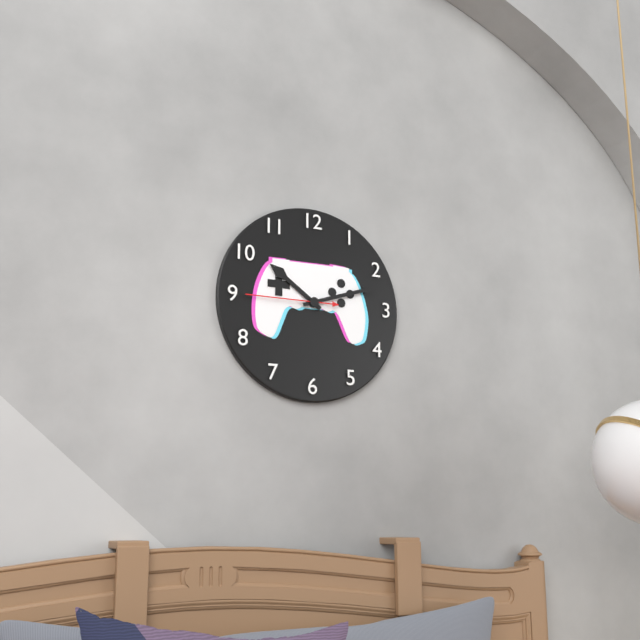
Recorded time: 10:12:45
